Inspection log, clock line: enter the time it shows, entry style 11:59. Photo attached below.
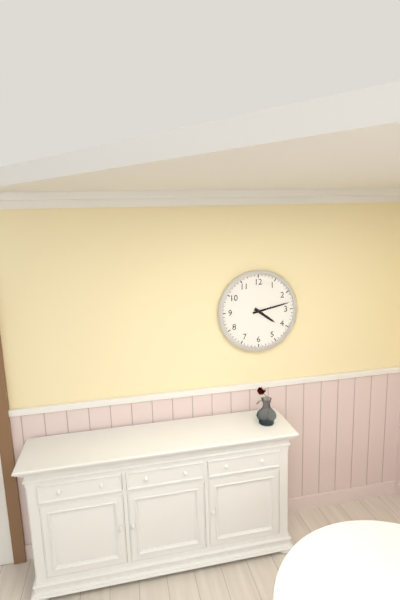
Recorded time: 4:13
